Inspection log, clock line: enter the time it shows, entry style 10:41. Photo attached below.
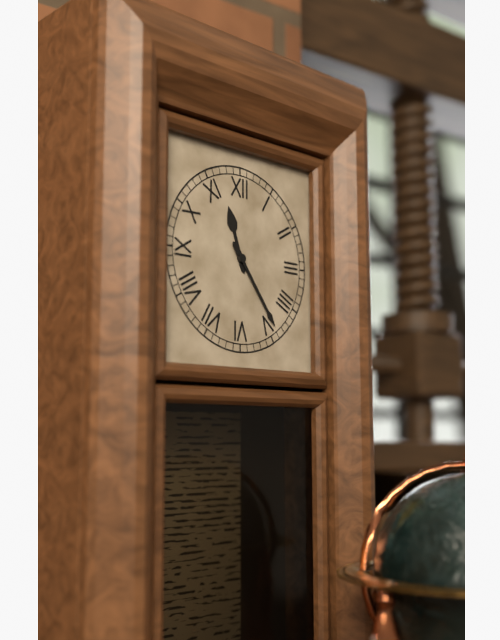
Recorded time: 11:24
